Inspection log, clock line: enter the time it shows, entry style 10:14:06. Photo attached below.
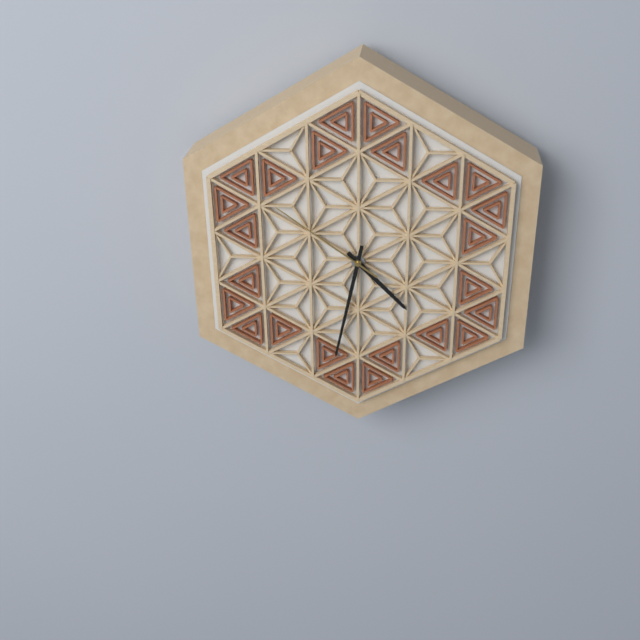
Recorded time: 4:32:51
